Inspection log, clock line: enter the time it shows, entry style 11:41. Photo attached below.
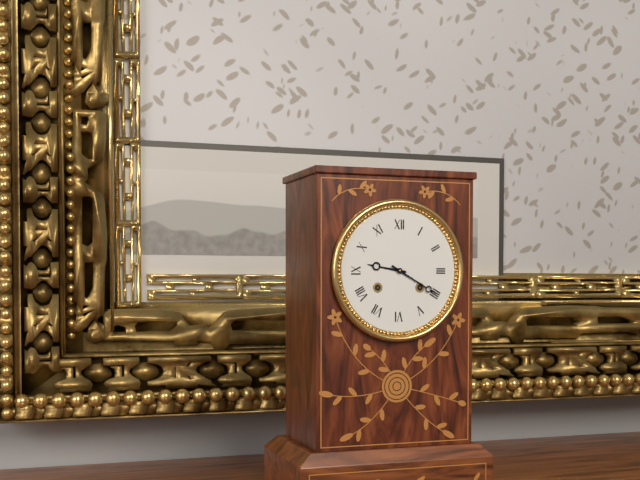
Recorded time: 9:20
